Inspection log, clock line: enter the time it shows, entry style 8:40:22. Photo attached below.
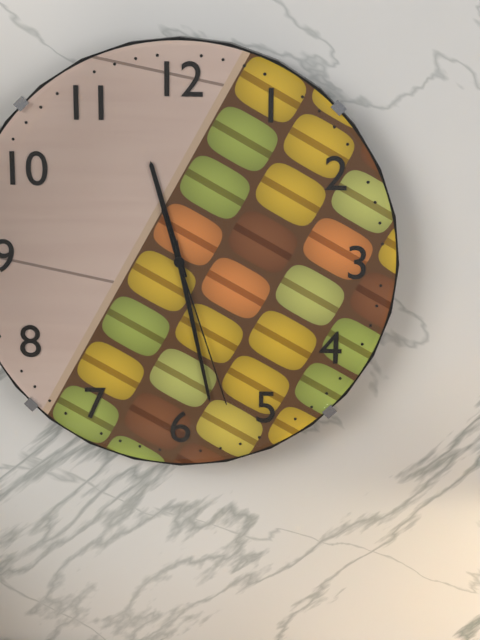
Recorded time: 11:28:27
